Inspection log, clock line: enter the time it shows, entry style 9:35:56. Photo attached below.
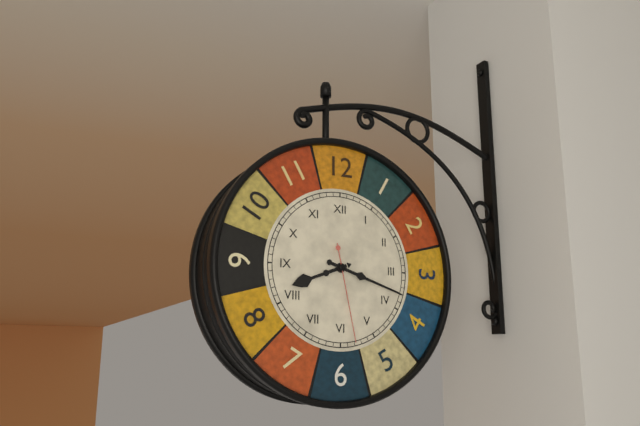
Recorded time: 8:18:28
